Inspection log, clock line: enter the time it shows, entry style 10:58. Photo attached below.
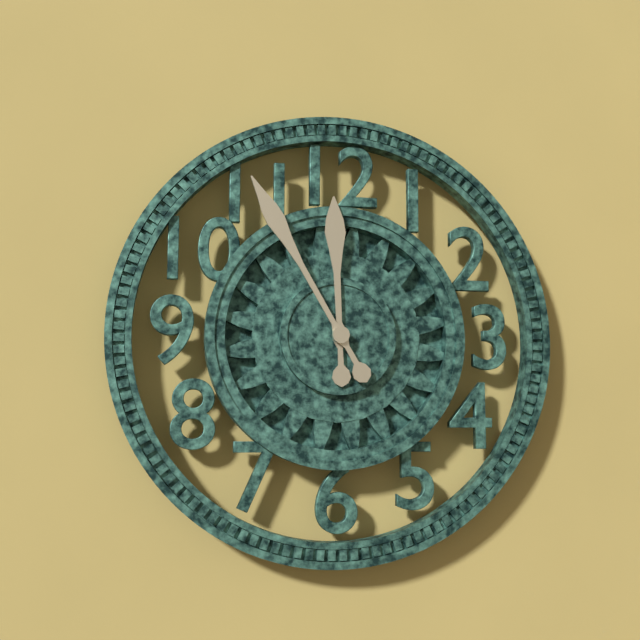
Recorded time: 11:55
